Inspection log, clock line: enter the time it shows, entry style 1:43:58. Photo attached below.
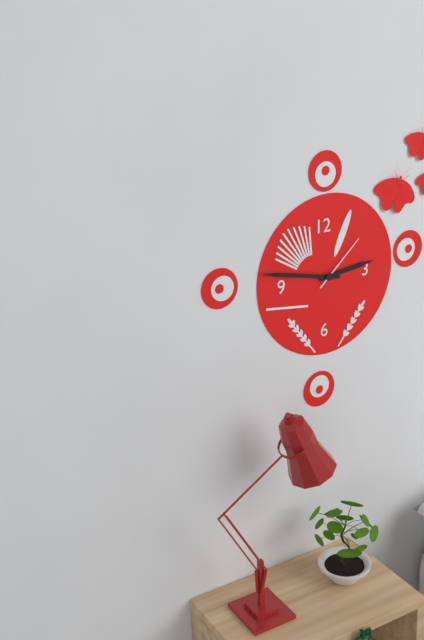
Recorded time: 2:47:08
